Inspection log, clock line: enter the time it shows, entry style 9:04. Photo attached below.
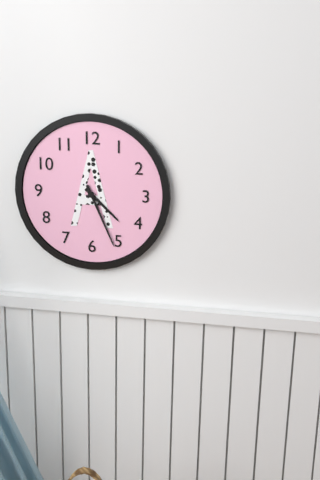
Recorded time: 4:26
